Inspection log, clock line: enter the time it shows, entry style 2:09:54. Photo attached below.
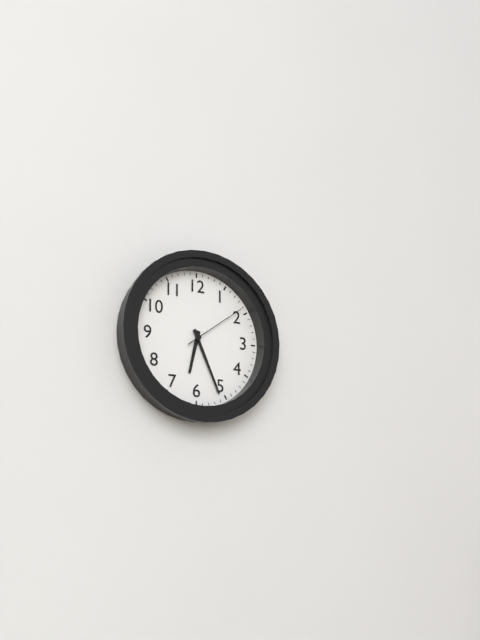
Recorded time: 6:26:09
